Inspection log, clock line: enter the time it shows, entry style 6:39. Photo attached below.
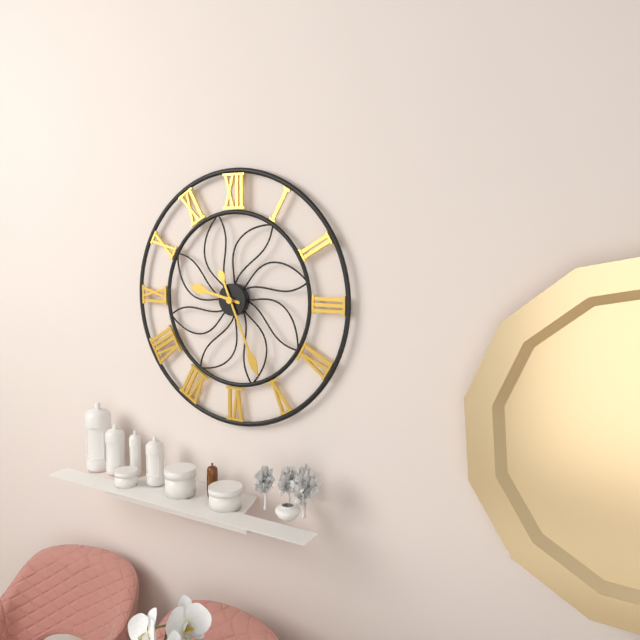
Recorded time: 9:26
